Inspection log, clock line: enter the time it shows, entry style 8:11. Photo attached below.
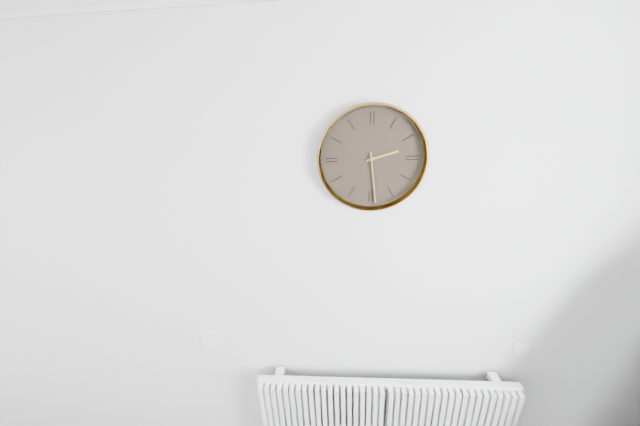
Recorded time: 2:29
